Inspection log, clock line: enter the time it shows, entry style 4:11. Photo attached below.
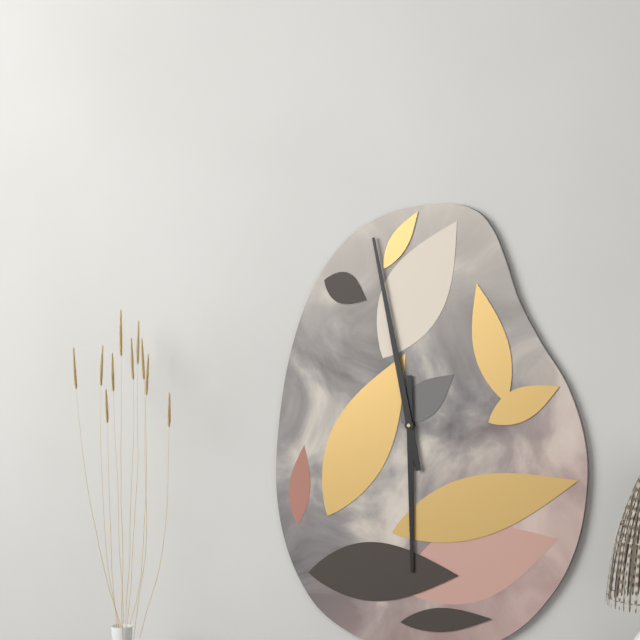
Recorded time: 5:58
